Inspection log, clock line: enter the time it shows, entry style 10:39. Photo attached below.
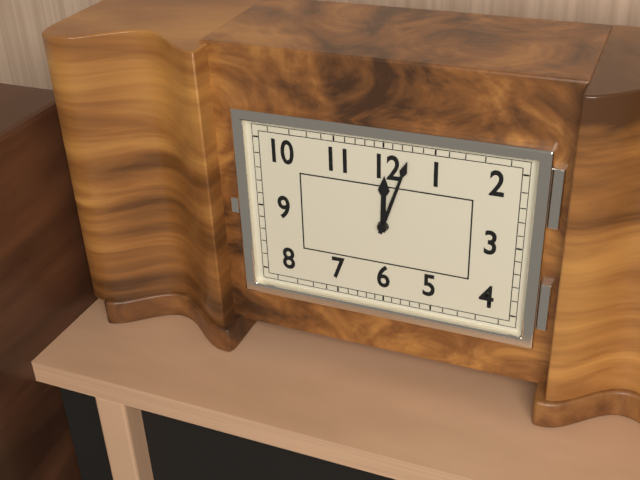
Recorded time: 12:03
